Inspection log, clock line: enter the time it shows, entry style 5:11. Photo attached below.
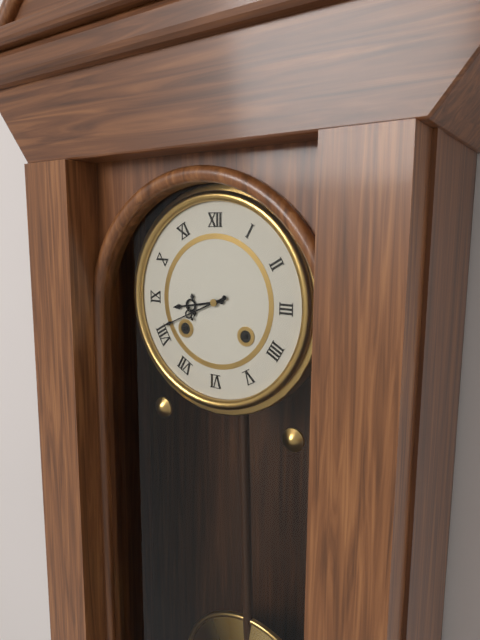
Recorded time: 8:41
